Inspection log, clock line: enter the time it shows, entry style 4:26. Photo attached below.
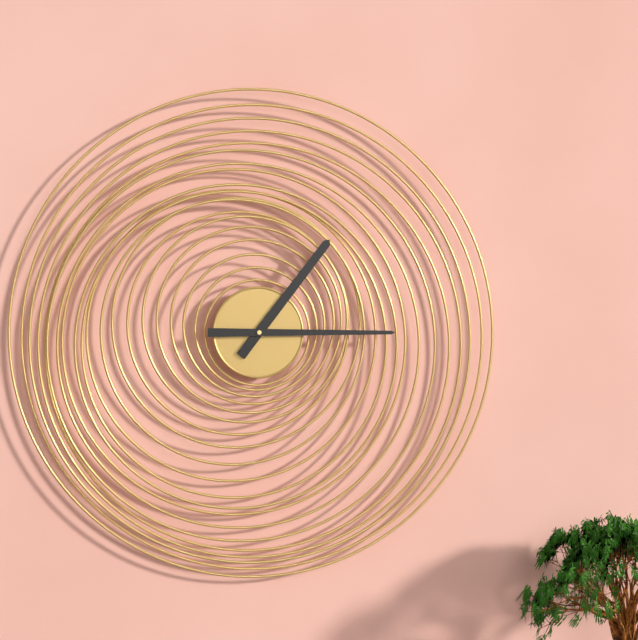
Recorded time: 1:15
